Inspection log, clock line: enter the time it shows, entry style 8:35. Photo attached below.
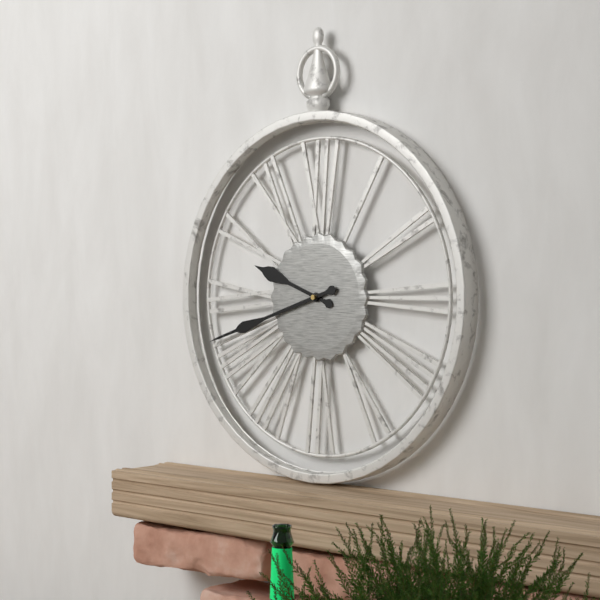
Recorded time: 9:42
